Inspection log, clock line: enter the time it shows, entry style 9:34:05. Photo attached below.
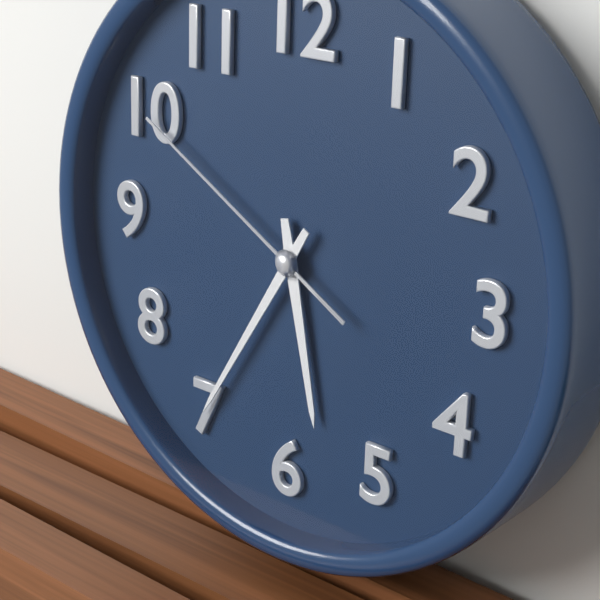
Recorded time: 5:35:50
